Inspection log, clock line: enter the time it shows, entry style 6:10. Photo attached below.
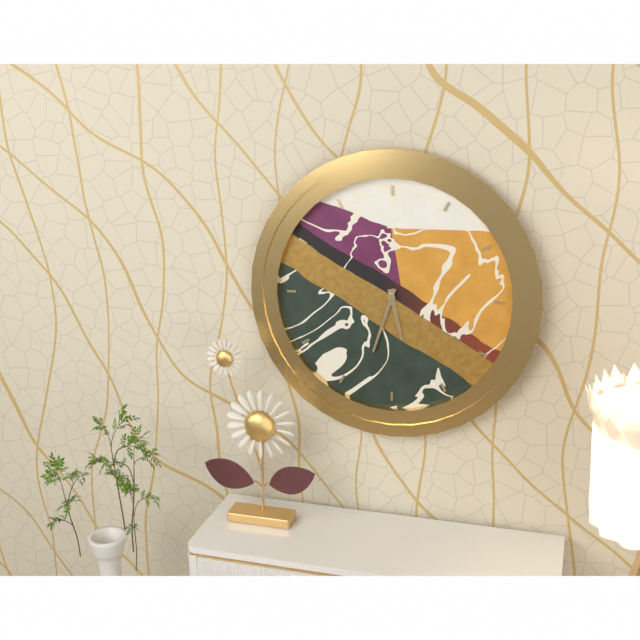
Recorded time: 5:33
